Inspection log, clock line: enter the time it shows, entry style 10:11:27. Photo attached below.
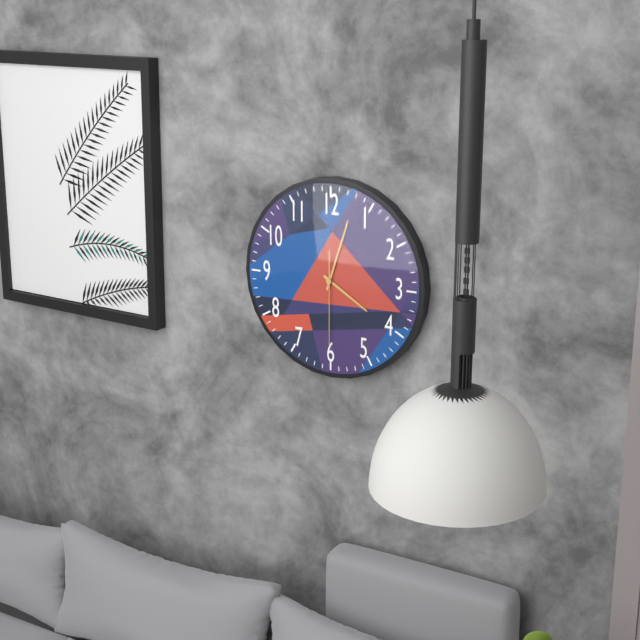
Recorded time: 4:03:30
